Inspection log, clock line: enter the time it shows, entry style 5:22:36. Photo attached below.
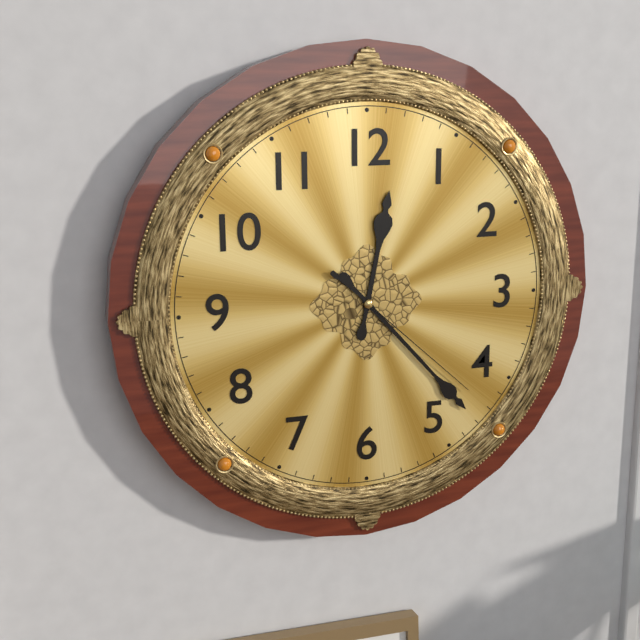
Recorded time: 12:23:22
